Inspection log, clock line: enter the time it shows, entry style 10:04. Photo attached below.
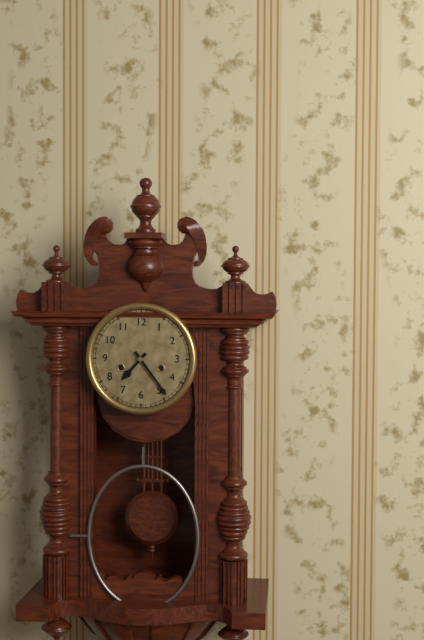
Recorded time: 7:24
